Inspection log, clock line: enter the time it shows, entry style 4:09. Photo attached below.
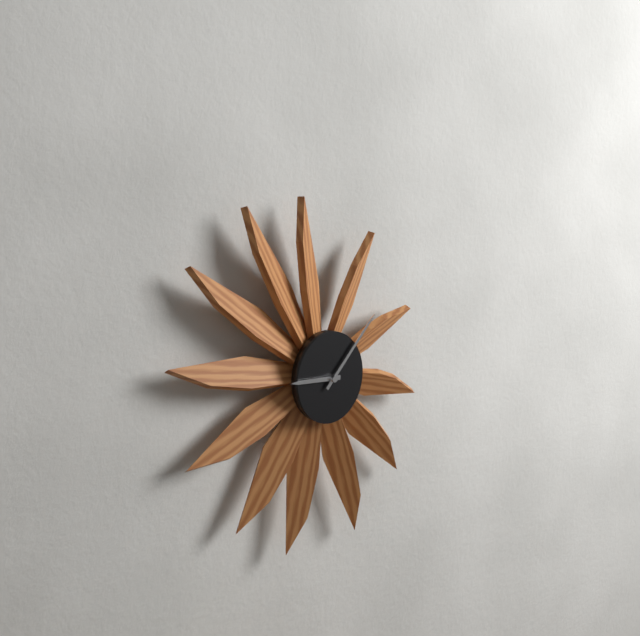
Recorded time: 9:07
